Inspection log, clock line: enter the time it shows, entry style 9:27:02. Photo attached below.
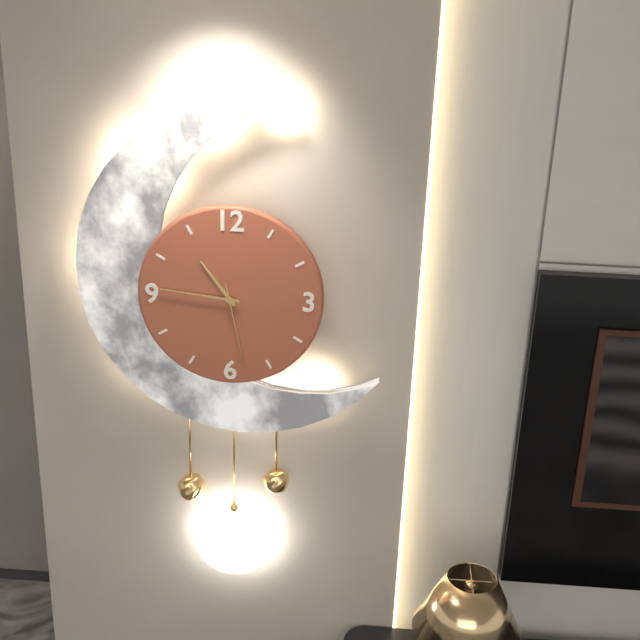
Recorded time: 10:46:28
